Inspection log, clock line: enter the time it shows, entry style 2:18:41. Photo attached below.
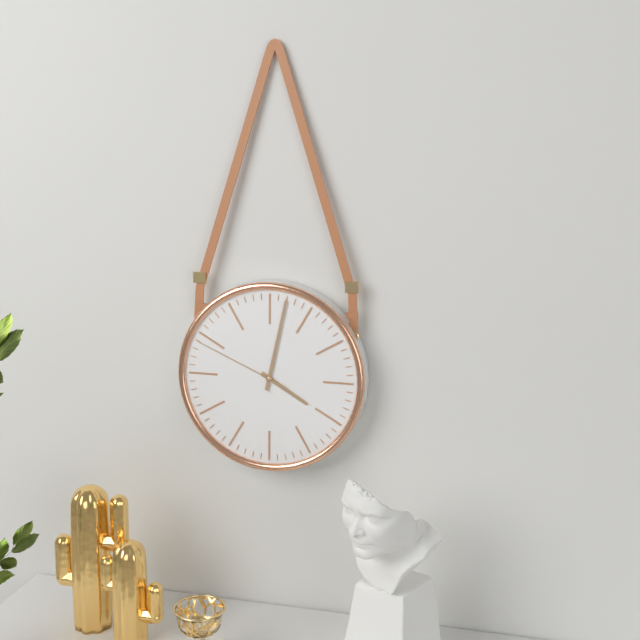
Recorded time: 4:02:49
